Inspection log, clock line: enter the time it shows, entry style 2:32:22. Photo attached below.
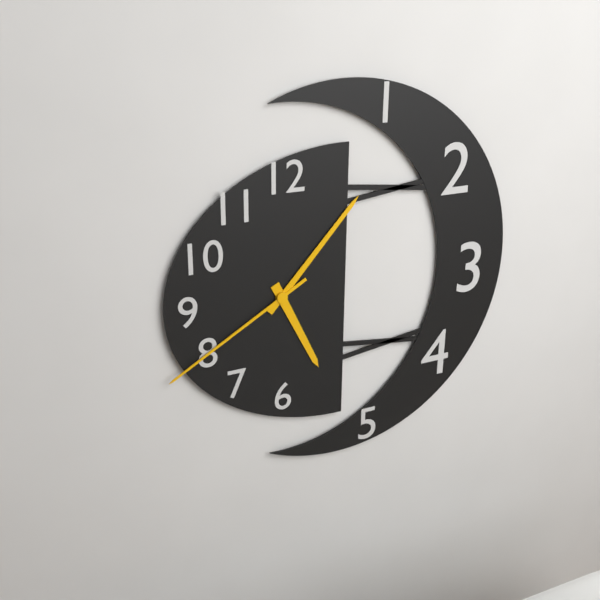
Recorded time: 5:07:40
